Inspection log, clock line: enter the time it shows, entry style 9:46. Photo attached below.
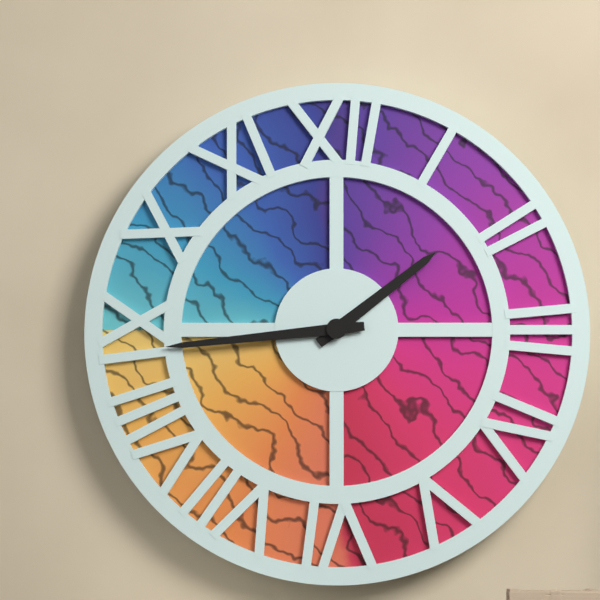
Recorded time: 1:44
